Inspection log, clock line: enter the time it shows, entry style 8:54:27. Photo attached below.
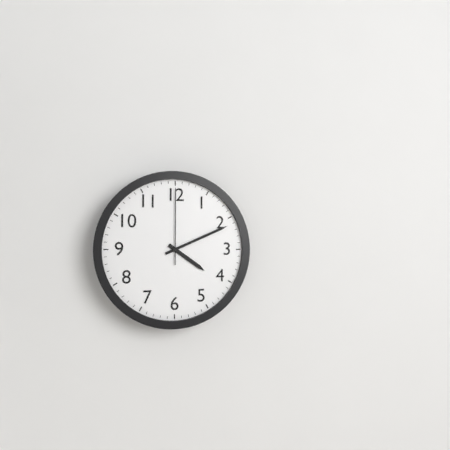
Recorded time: 4:11:00
